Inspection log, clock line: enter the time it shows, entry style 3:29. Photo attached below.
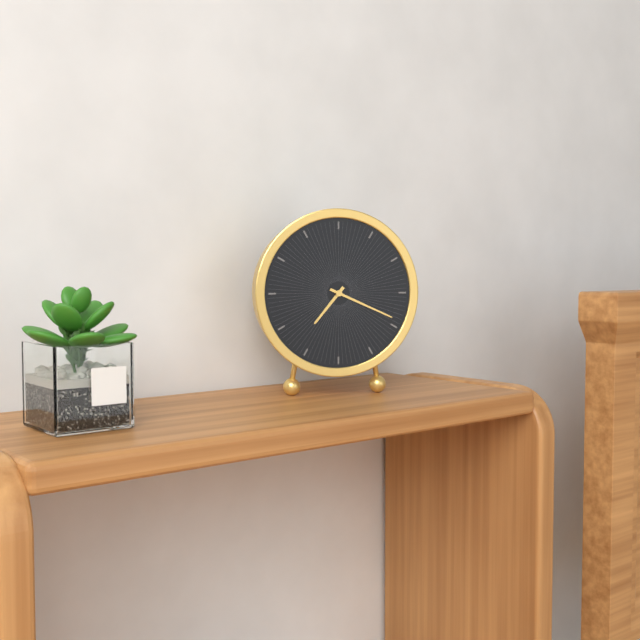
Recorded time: 7:19
